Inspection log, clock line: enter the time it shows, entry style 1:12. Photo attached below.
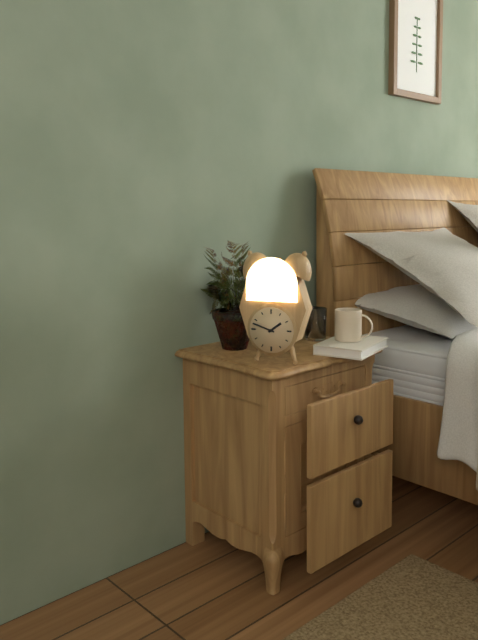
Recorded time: 1:48
